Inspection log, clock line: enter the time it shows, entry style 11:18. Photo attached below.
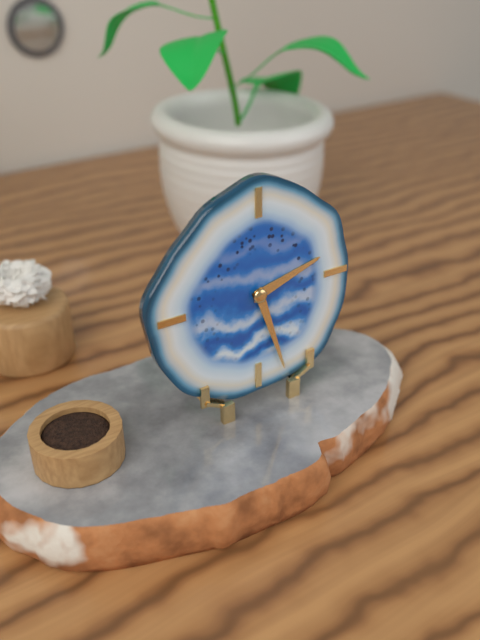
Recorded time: 2:27
